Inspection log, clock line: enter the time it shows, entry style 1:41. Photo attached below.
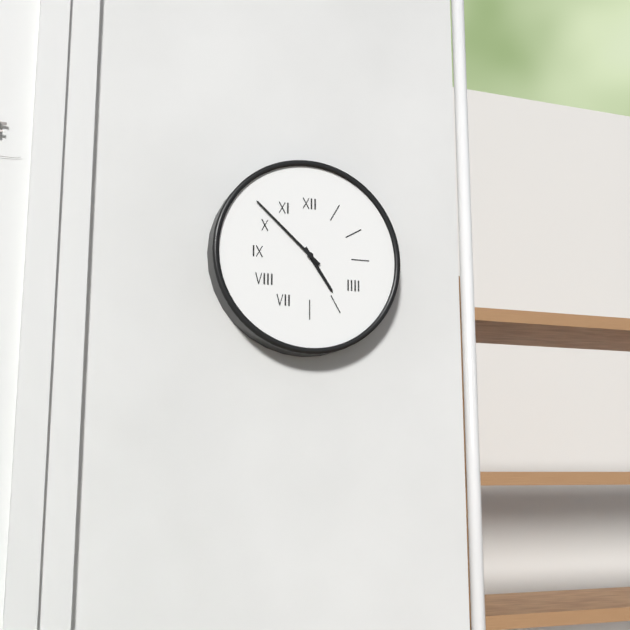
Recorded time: 4:52
